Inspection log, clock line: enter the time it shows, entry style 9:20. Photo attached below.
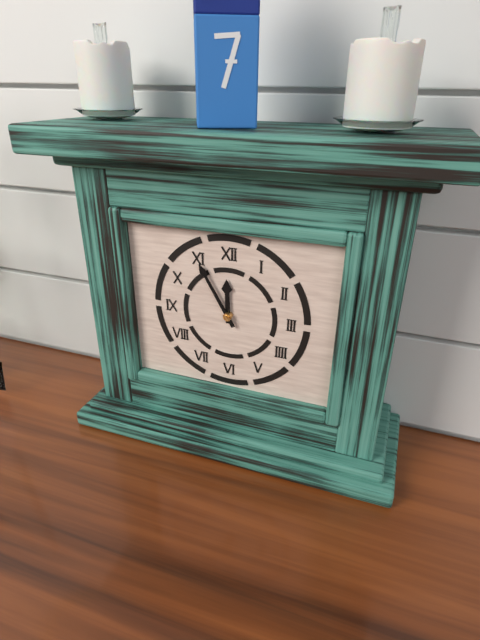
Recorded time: 11:55
